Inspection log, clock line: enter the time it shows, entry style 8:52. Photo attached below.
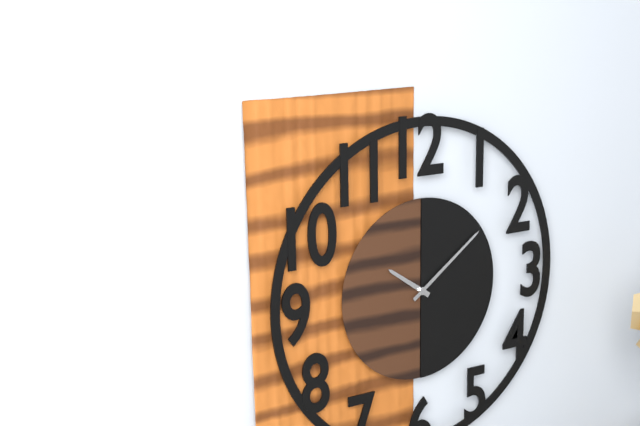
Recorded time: 10:09
